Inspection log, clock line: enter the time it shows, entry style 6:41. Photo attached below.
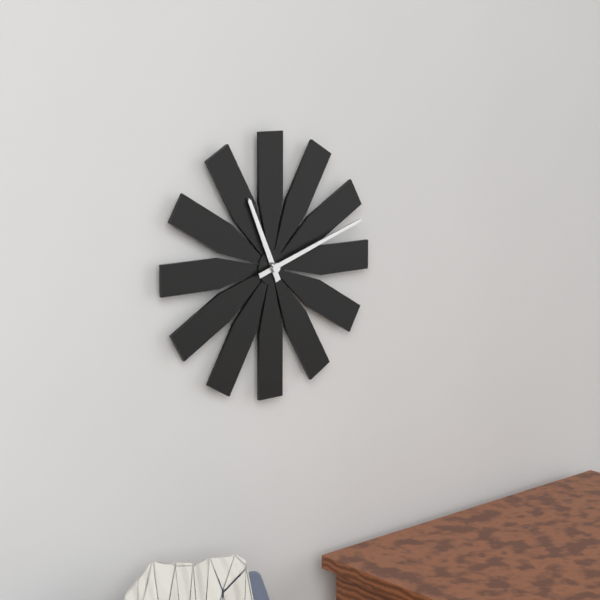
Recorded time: 11:12
